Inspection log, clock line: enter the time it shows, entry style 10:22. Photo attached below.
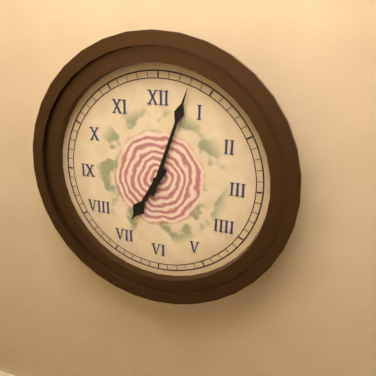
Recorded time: 7:03
